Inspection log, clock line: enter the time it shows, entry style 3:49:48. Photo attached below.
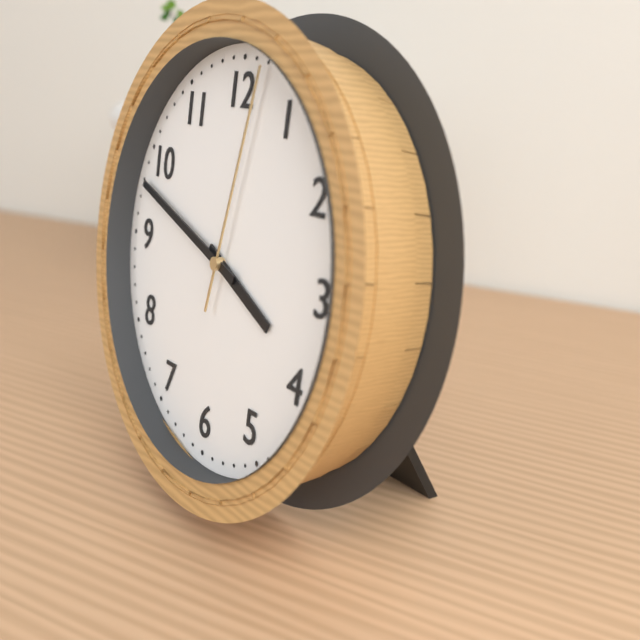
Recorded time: 3:48:02
